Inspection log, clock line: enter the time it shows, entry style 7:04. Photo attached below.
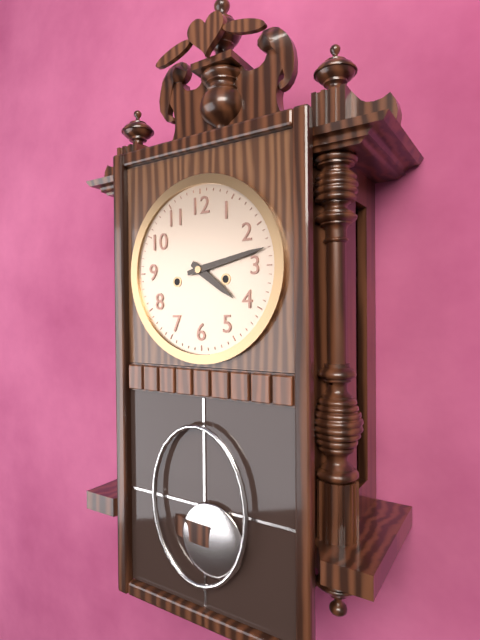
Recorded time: 4:13
